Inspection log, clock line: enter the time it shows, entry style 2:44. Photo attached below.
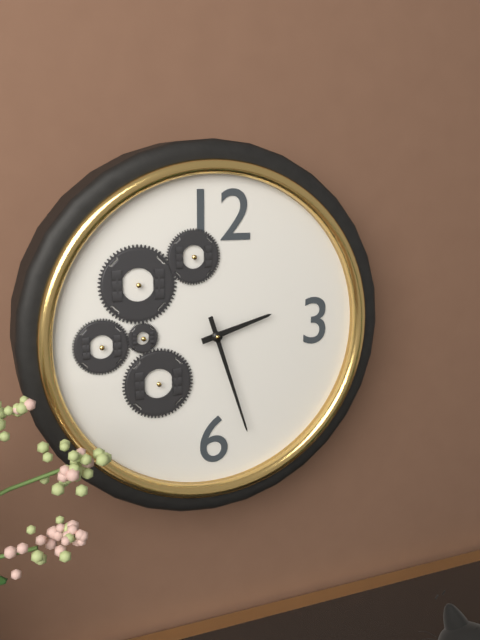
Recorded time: 2:27
